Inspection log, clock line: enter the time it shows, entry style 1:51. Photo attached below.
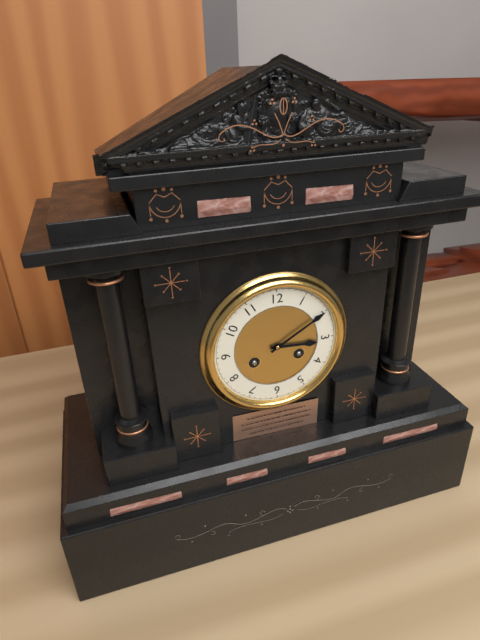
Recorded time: 3:10
